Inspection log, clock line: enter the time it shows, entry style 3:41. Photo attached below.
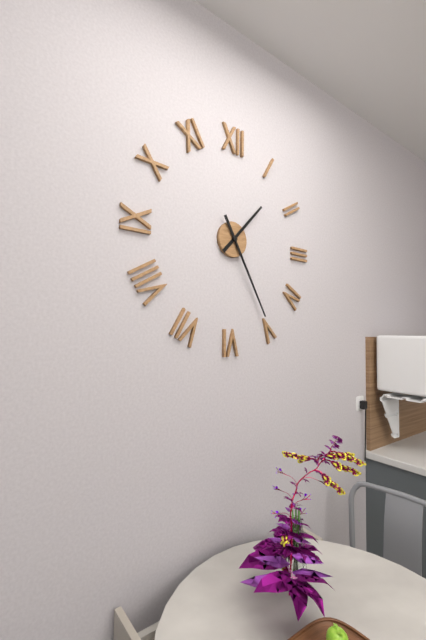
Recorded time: 1:25
